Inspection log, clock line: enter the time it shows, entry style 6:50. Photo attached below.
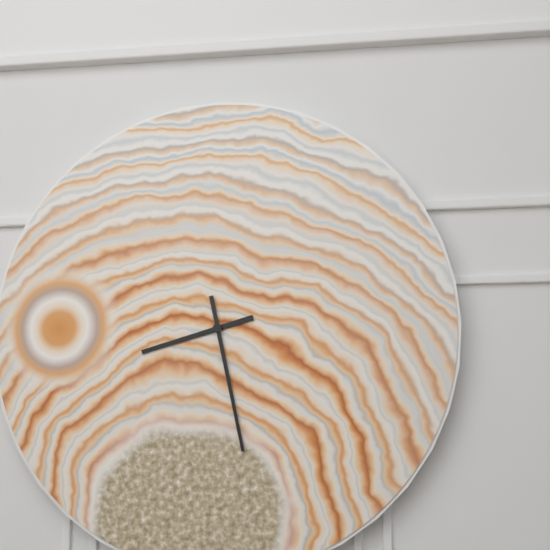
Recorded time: 8:28
